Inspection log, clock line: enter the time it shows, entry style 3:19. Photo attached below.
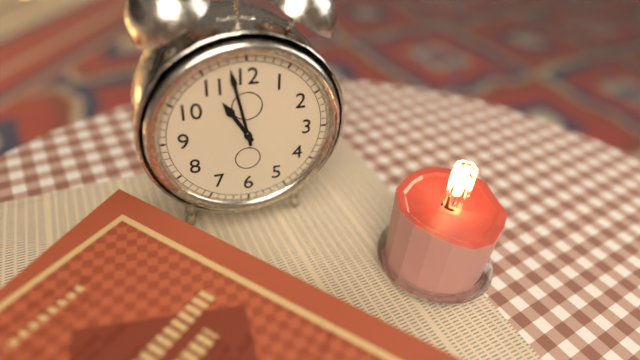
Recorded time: 10:58
